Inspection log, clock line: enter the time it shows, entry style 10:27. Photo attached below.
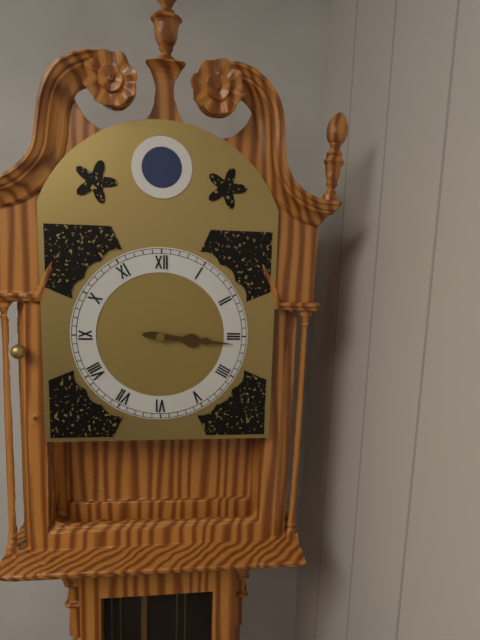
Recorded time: 3:16
